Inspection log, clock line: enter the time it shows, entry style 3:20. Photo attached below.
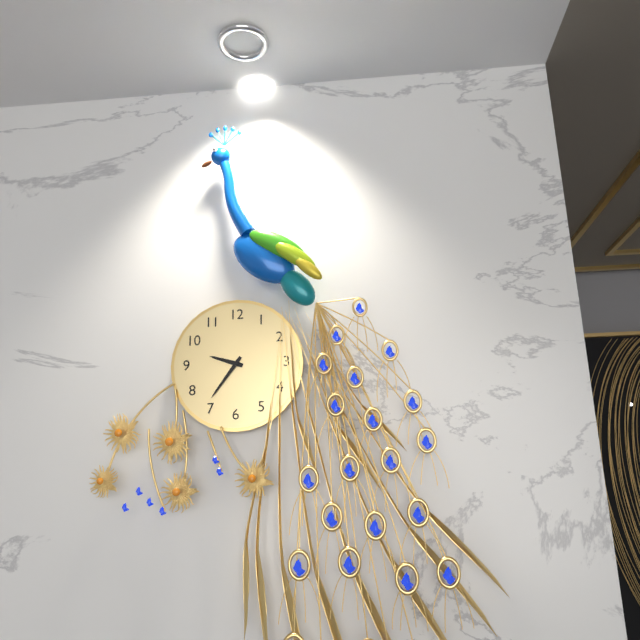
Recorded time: 9:36
